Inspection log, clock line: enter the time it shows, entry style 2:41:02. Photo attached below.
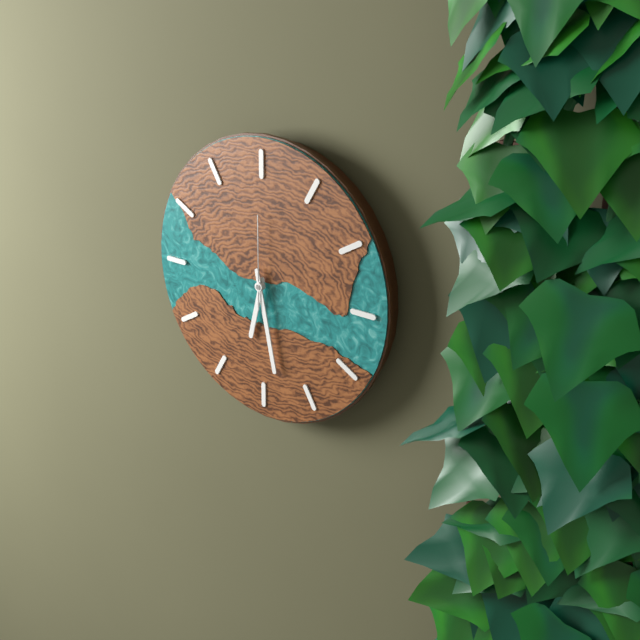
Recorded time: 6:28:00
